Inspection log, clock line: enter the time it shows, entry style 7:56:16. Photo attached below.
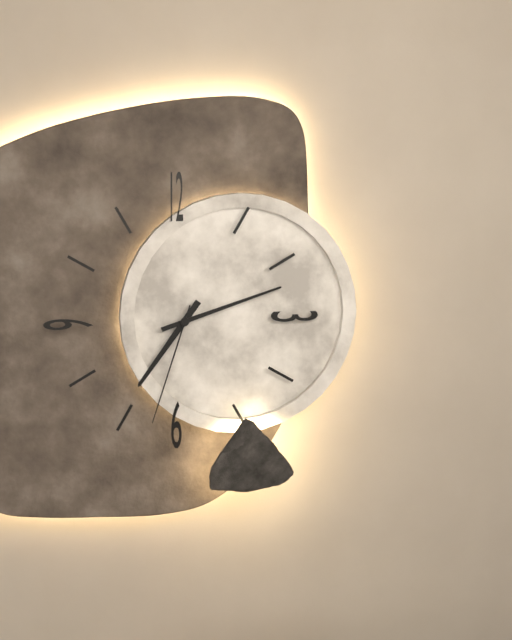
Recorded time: 7:12:33
